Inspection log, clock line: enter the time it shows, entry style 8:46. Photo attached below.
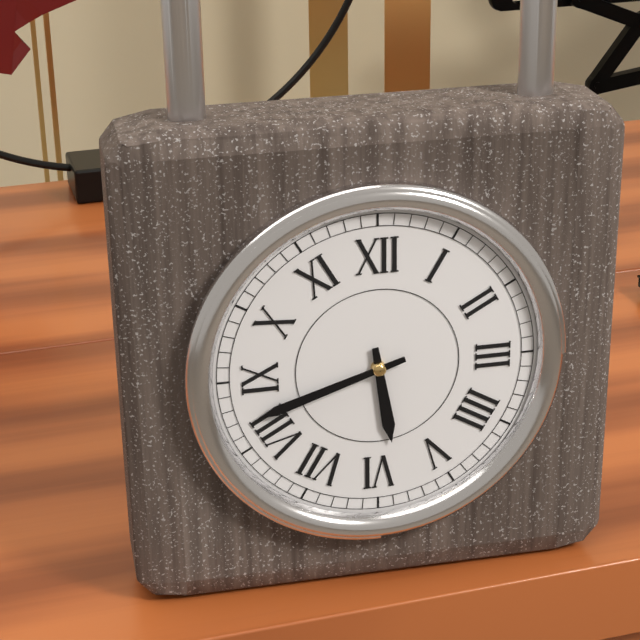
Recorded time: 5:42
